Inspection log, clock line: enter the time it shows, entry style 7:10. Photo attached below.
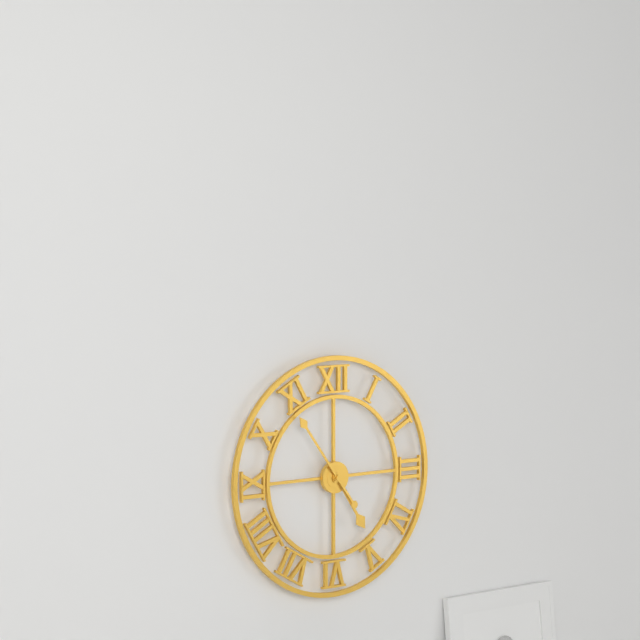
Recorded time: 4:54
